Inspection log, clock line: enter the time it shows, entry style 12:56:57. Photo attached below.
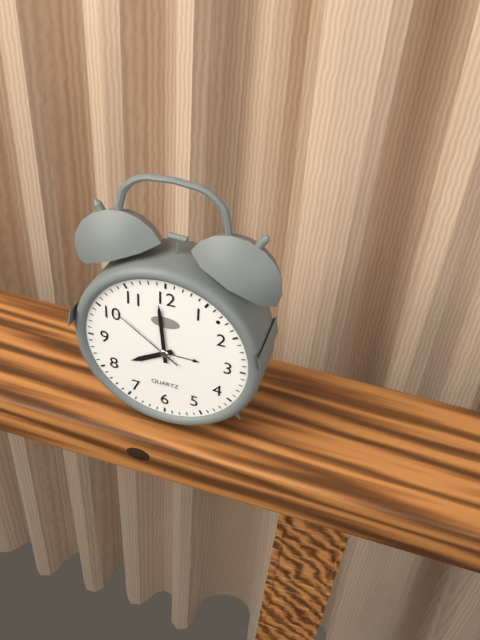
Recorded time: 7:59:51
